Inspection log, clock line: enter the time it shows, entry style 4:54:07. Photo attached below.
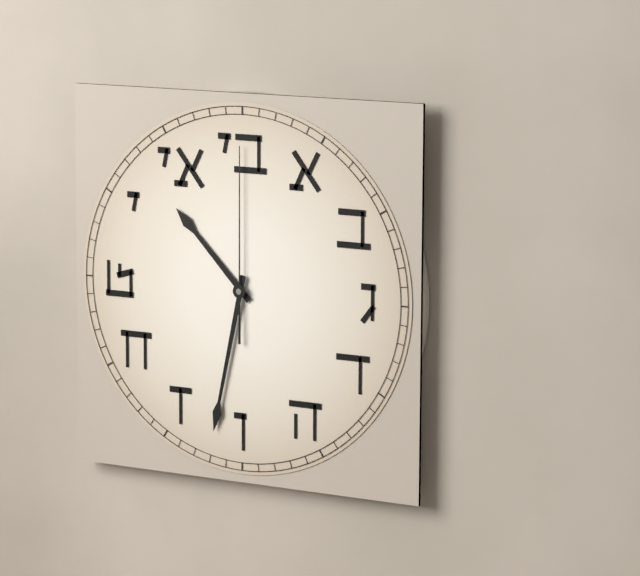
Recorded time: 10:32:00
